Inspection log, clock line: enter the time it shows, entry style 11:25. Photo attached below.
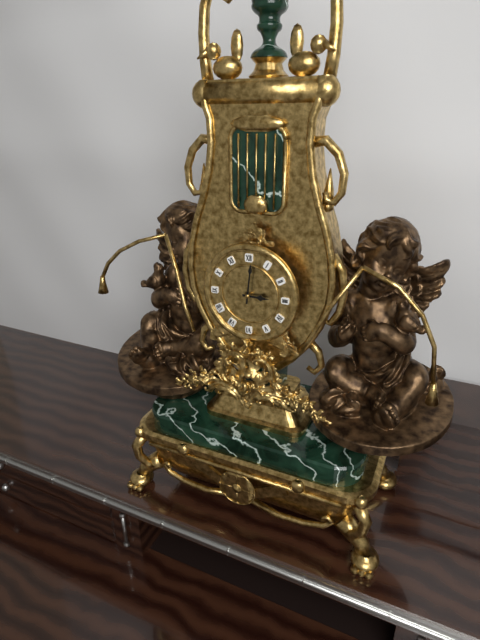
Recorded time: 3:01
